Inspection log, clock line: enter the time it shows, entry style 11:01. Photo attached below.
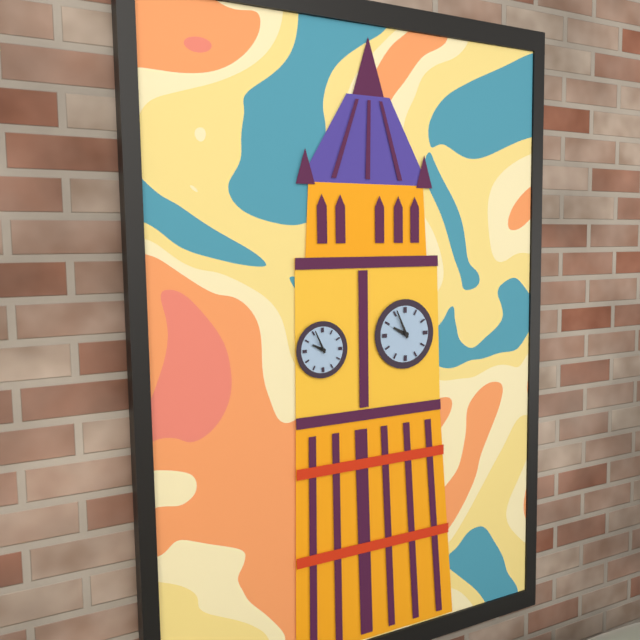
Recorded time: 9:56
